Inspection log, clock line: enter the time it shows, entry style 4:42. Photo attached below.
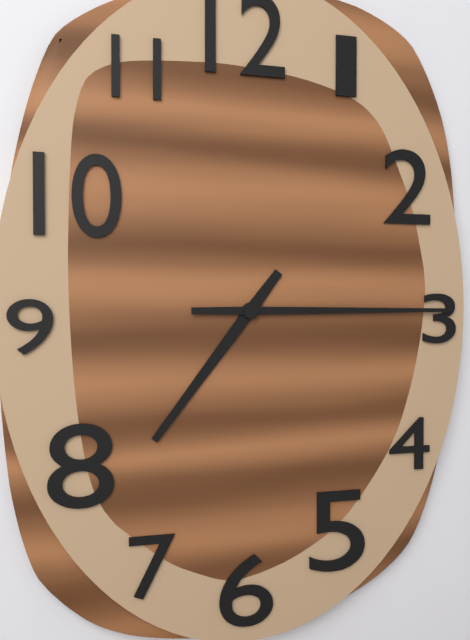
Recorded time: 7:15
